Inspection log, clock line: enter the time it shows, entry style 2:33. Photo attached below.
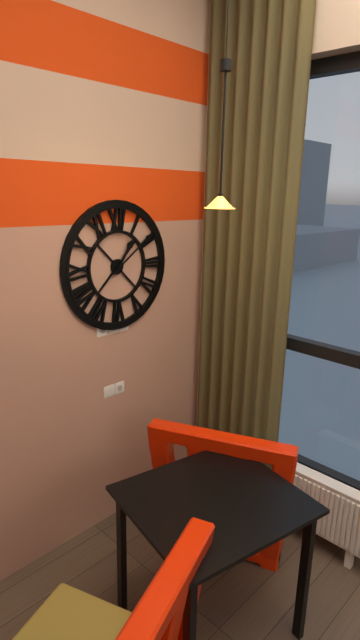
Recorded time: 1:09
